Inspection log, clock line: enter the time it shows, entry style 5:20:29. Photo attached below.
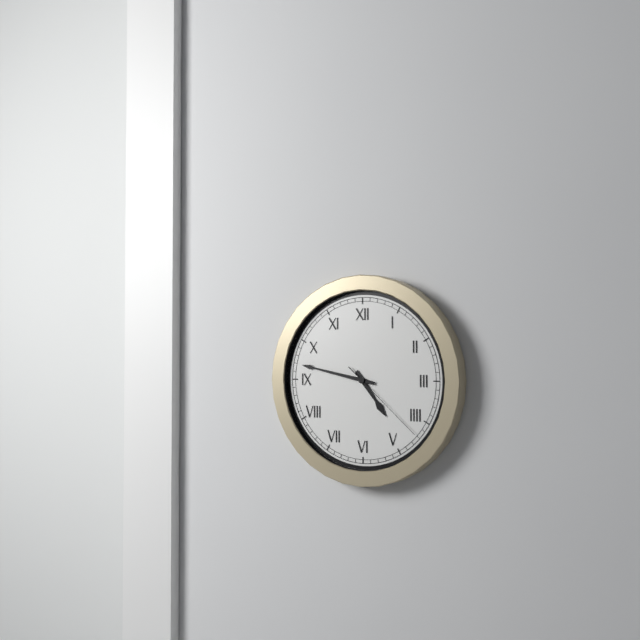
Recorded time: 4:47:22
